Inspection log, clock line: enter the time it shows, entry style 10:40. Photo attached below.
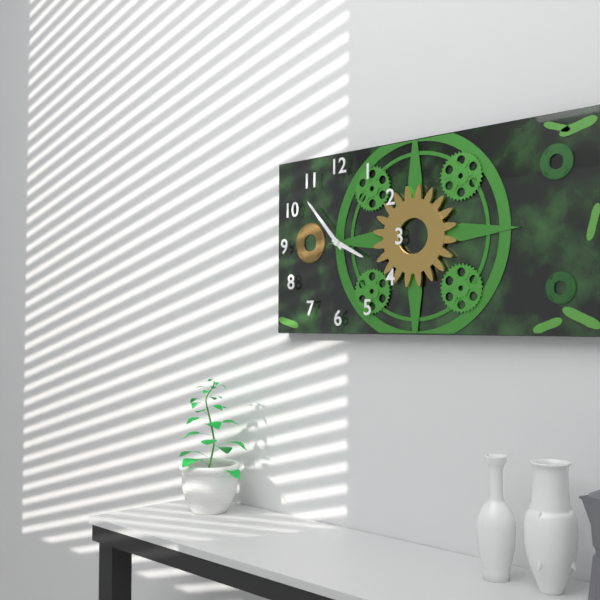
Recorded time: 3:53
